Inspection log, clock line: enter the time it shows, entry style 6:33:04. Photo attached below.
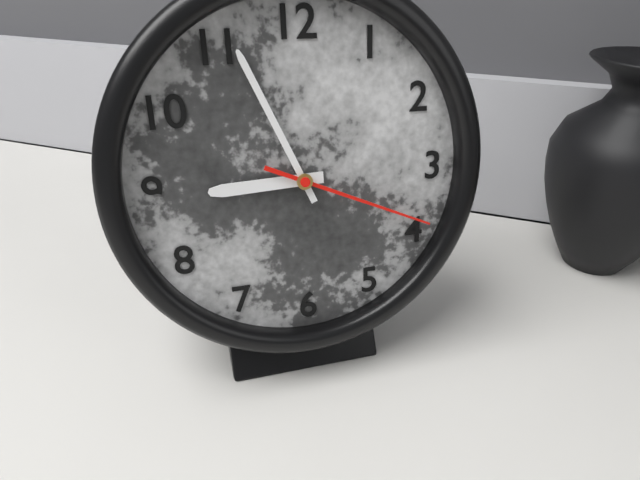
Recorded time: 8:56:19
